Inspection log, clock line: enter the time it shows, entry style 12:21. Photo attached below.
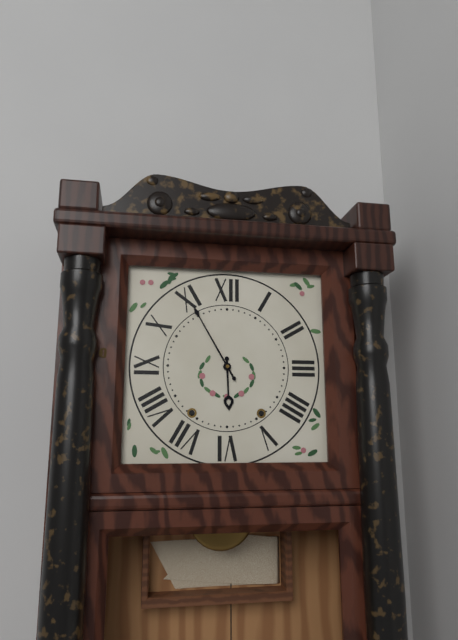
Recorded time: 5:55
